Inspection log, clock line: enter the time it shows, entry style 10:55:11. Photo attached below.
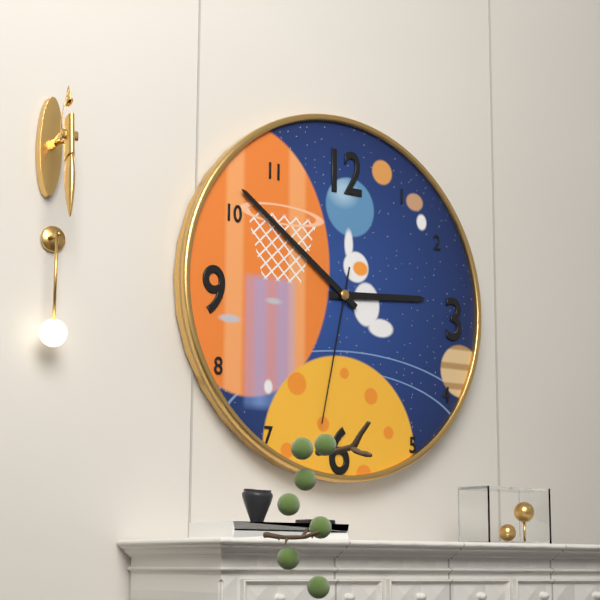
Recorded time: 2:51:32
